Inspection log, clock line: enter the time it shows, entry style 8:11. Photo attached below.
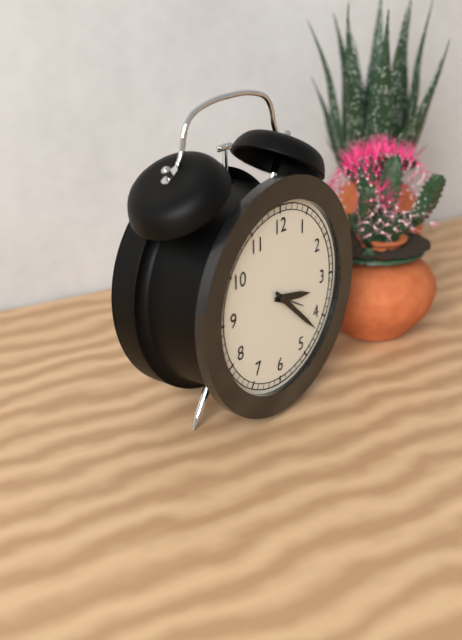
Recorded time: 3:22
